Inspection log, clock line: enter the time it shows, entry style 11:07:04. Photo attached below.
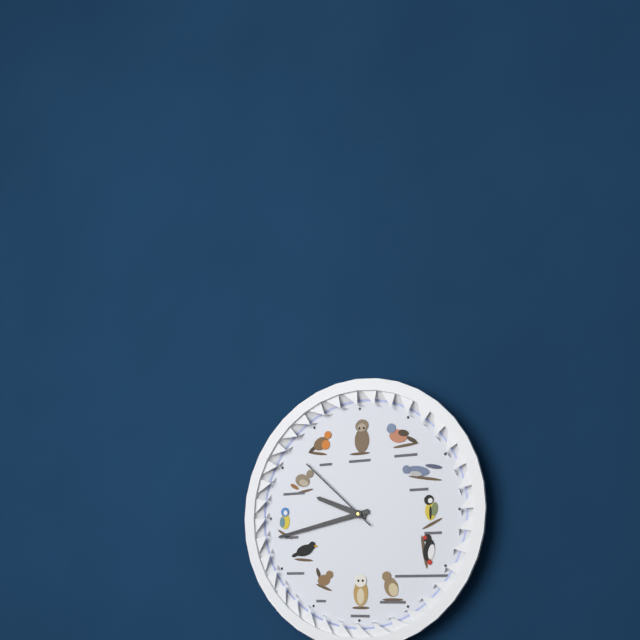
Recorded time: 9:43:52
